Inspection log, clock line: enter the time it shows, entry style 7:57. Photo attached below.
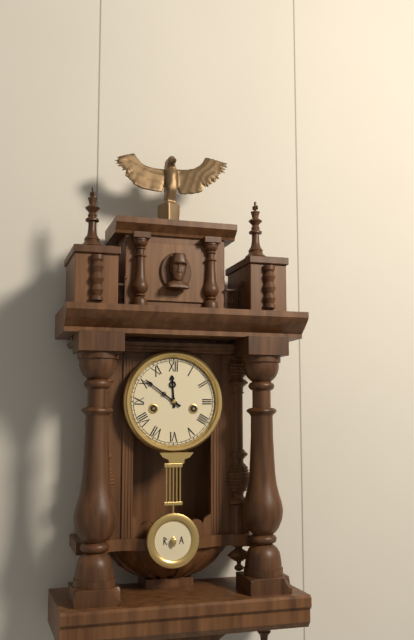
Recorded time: 11:51
